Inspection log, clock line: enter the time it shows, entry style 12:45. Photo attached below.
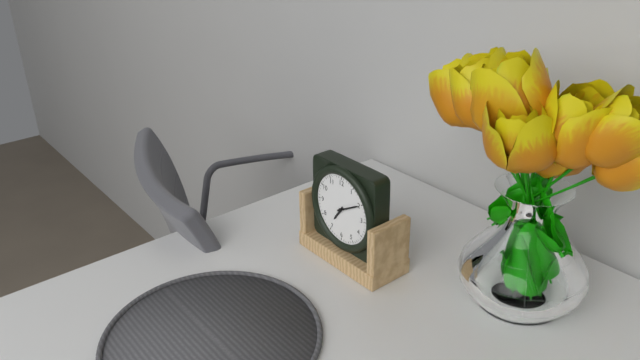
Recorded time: 7:10
